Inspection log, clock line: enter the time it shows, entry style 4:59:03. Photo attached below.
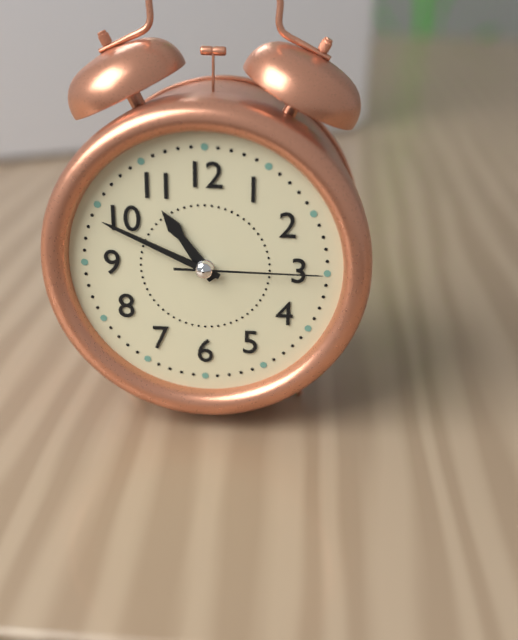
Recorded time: 10:49:15
